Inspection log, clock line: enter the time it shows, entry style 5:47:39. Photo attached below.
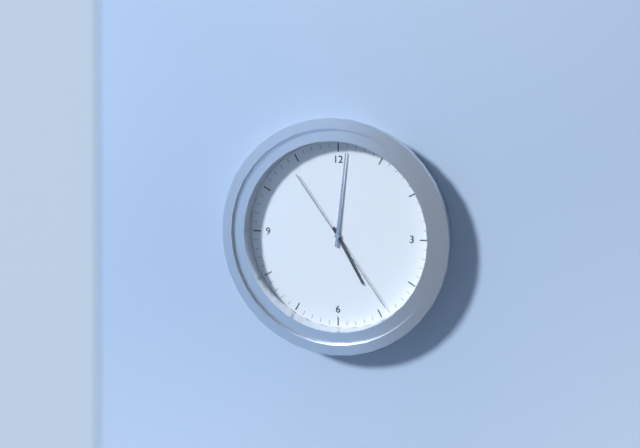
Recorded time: 5:01:24
